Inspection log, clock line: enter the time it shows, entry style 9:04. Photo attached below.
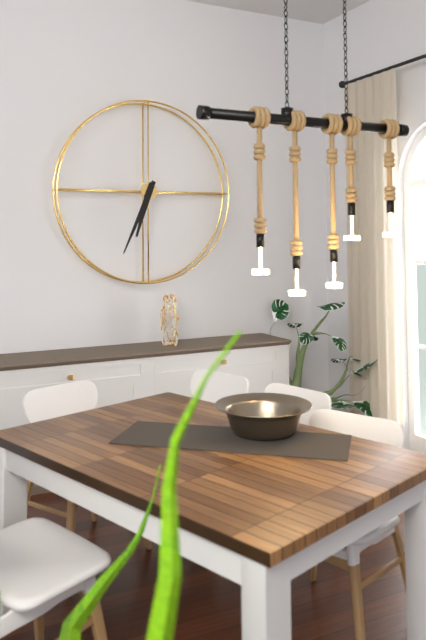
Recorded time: 6:34
